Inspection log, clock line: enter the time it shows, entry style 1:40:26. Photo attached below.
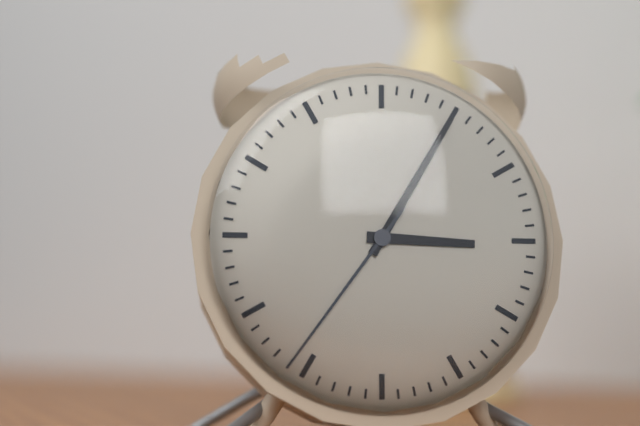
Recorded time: 3:05:36
